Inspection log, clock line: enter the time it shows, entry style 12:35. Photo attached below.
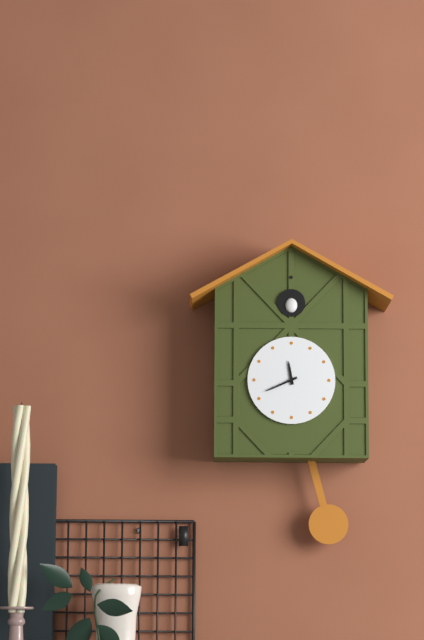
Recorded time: 11:41
